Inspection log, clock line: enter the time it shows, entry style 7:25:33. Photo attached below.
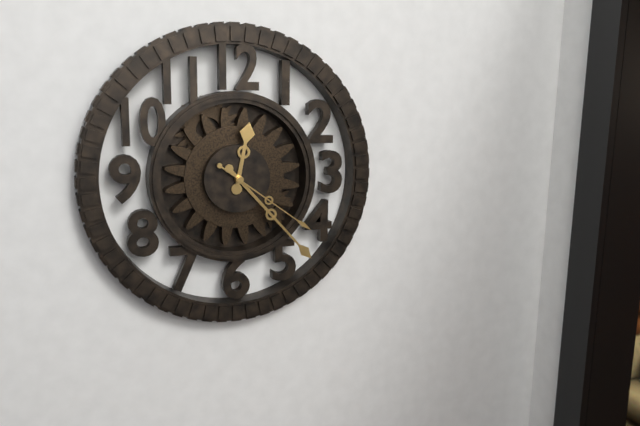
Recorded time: 12:23:21
